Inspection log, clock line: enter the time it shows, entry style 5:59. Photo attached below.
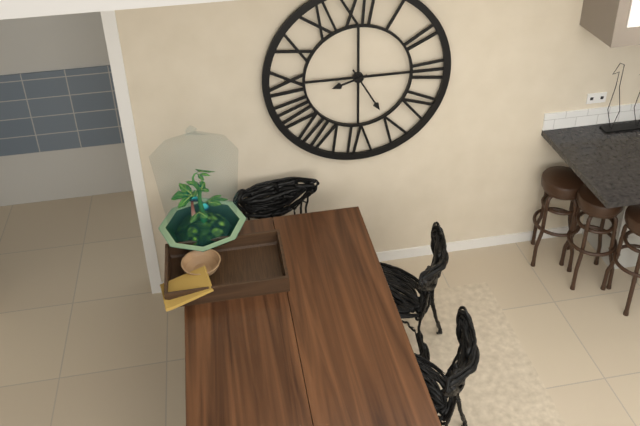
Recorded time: 8:25
